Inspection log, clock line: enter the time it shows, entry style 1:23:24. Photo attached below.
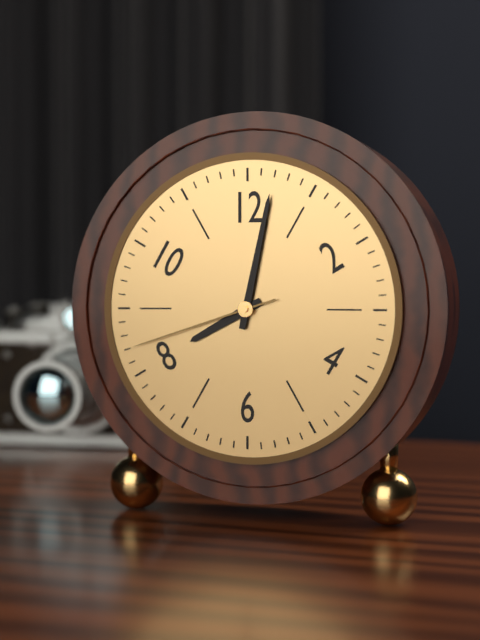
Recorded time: 8:02:42
